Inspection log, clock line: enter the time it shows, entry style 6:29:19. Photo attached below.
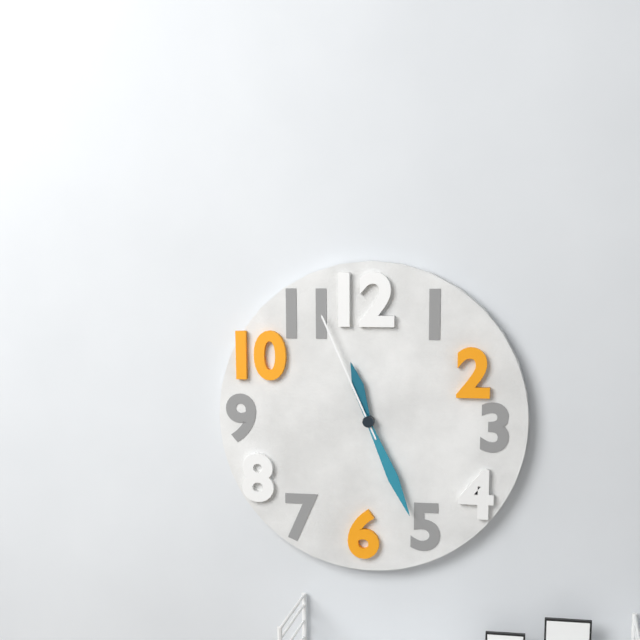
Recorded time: 11:26:56
